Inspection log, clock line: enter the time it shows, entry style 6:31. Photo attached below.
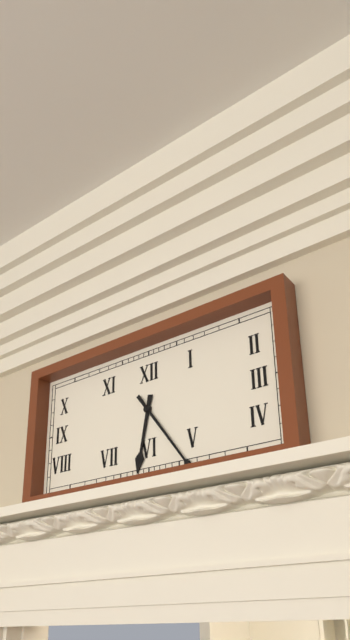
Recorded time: 6:24
